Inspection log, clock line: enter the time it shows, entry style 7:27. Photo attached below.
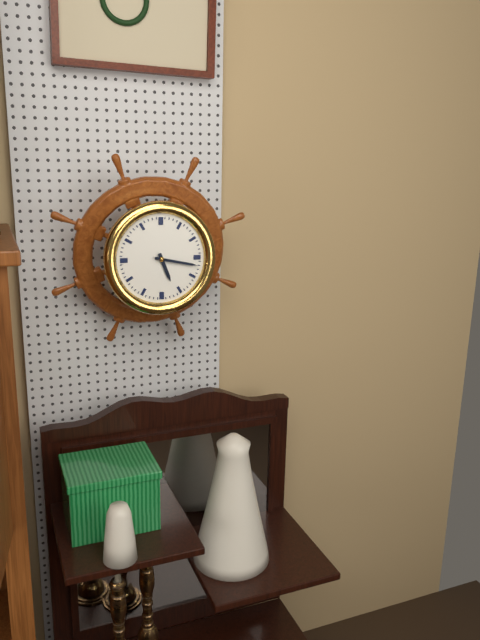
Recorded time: 5:17
